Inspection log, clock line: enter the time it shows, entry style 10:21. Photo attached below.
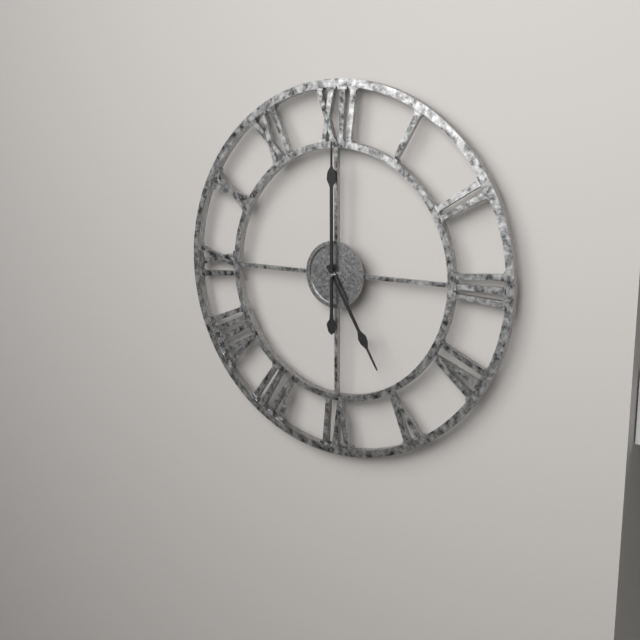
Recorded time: 5:00
